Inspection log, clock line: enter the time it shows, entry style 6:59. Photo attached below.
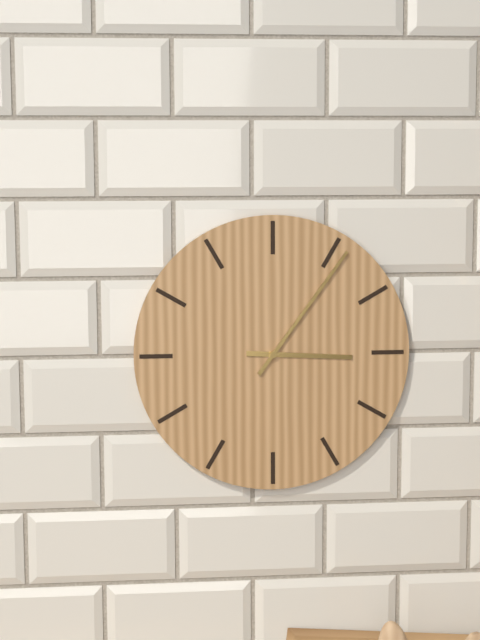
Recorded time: 3:06
